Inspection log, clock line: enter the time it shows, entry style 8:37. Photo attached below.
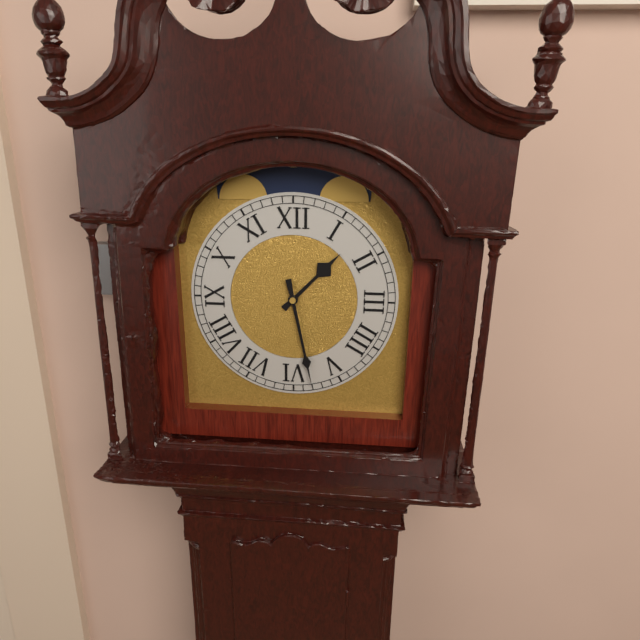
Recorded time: 1:28
